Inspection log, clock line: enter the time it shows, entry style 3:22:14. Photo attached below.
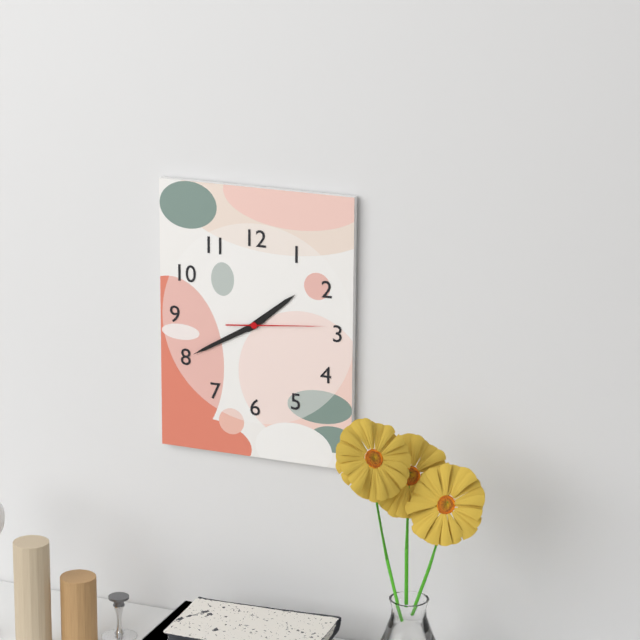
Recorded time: 1:40:14
